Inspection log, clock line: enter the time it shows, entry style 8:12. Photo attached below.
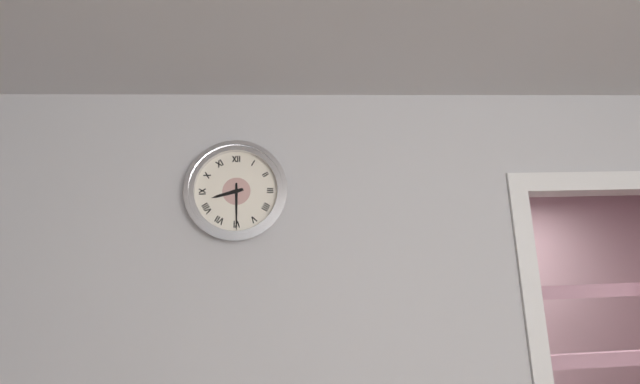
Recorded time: 8:30
